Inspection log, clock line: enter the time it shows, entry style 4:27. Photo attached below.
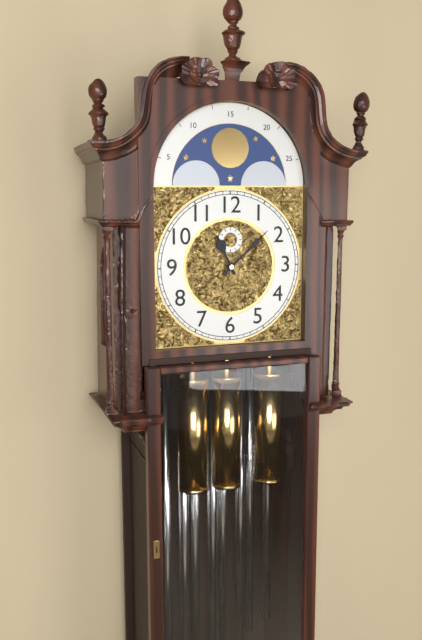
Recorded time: 11:08
